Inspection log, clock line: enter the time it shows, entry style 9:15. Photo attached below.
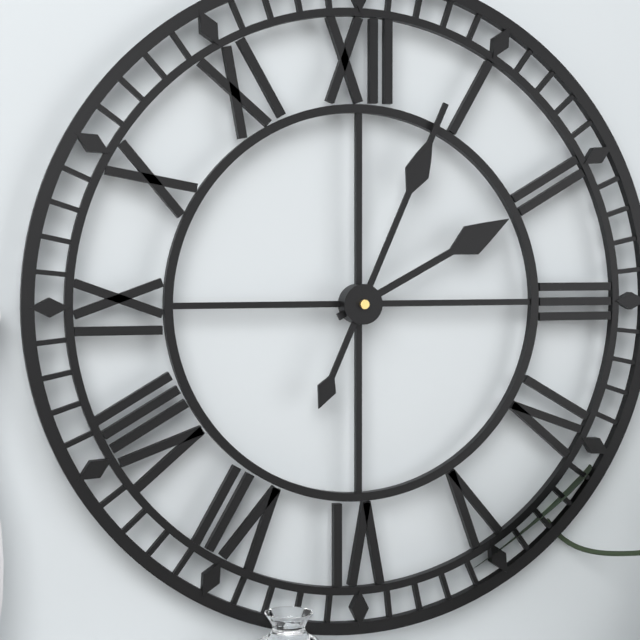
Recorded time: 2:04
